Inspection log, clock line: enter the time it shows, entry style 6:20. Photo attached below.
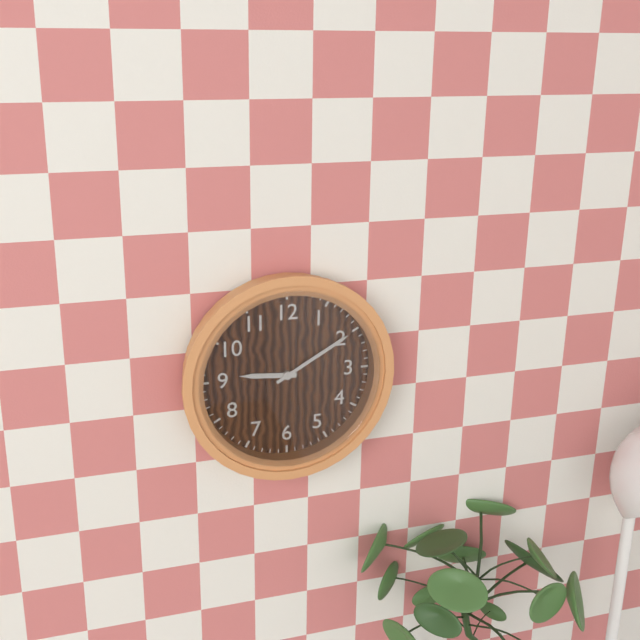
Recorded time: 9:10
